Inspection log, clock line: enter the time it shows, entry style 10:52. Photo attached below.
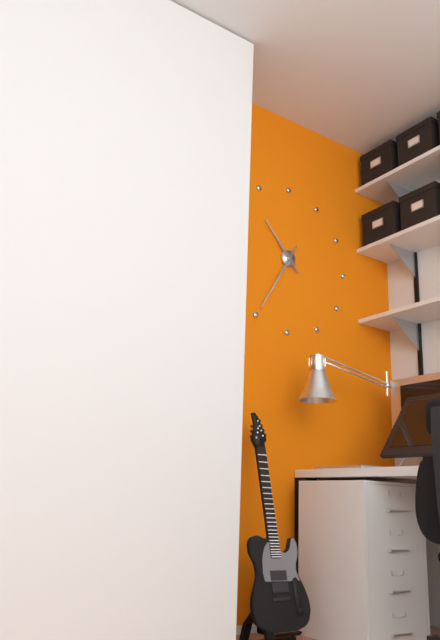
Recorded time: 10:35
